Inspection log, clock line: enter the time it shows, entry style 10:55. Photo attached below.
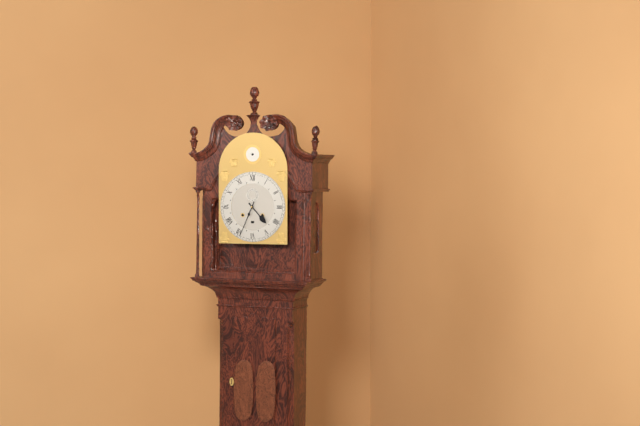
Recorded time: 4:34
